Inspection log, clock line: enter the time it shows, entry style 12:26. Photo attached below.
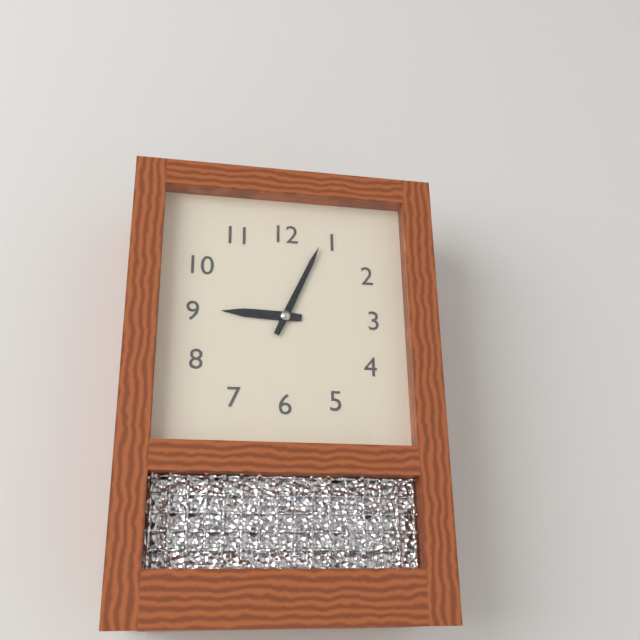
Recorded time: 9:04
